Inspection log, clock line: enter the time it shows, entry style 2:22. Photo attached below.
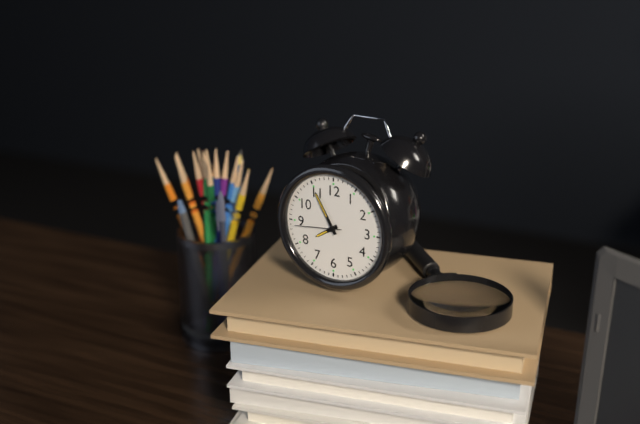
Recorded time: 7:55
